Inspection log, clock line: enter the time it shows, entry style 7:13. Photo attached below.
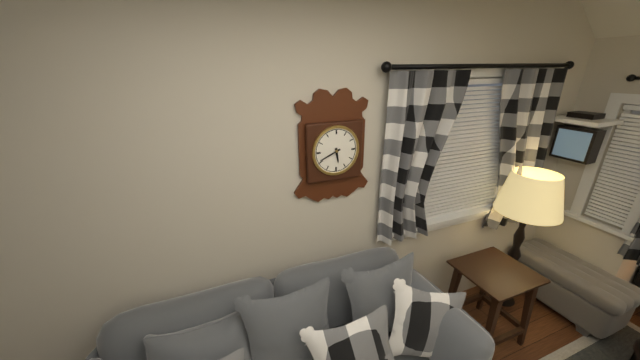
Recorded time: 5:41
